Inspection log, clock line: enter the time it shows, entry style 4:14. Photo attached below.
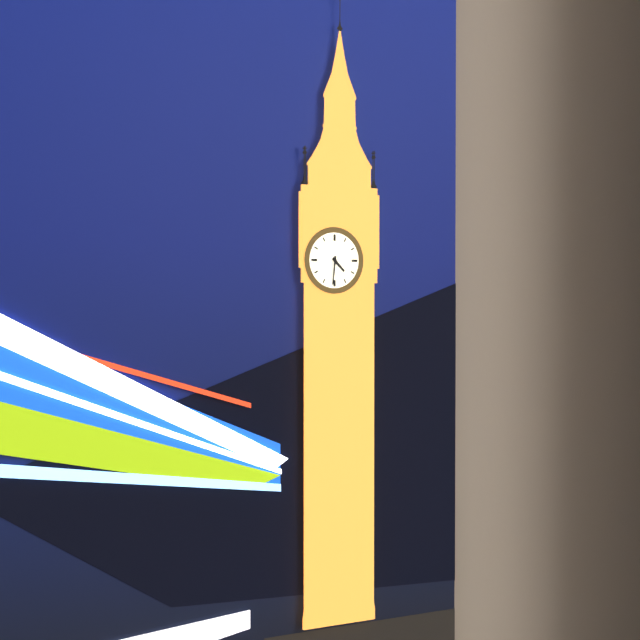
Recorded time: 4:31
